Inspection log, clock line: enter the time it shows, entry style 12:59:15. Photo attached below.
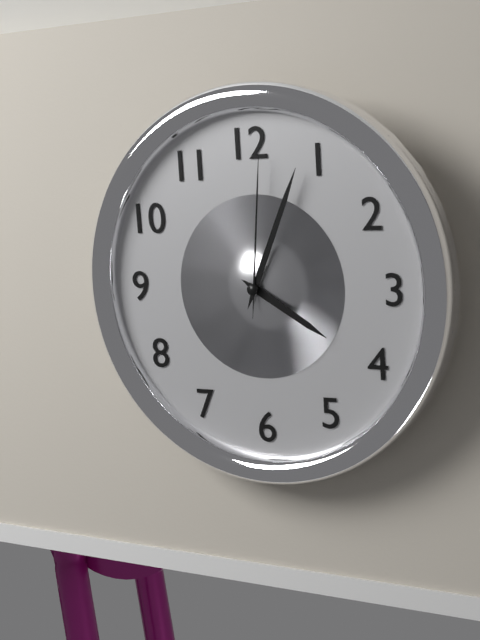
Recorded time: 4:04:01
